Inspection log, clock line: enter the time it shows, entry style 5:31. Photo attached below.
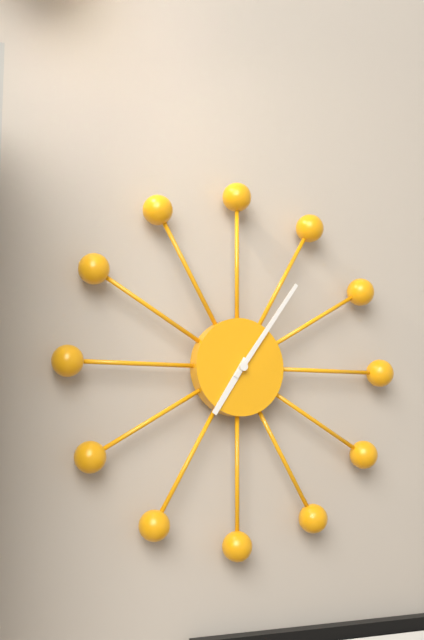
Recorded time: 7:06
